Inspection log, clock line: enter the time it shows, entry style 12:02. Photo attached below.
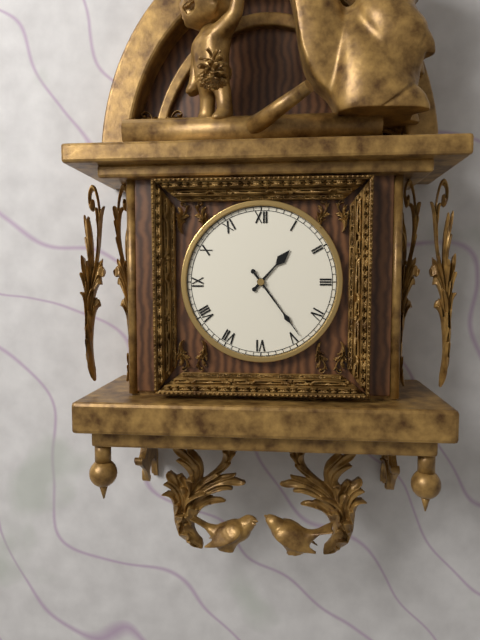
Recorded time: 1:24
